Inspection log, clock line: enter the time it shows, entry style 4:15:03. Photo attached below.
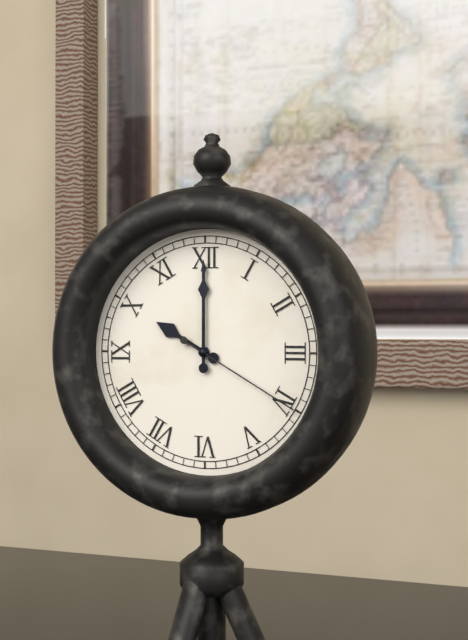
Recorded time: 10:00:20
